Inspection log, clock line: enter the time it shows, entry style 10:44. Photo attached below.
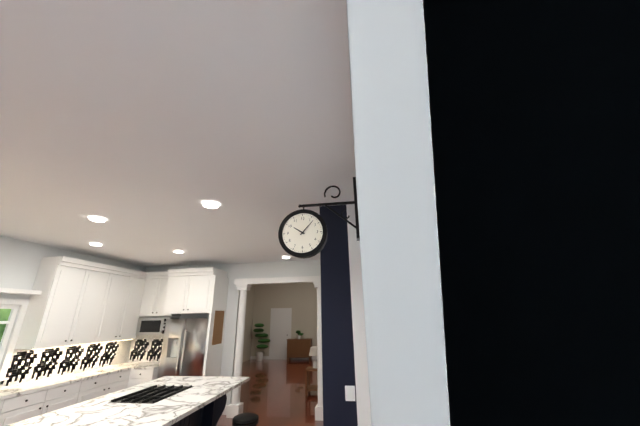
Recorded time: 10:07
